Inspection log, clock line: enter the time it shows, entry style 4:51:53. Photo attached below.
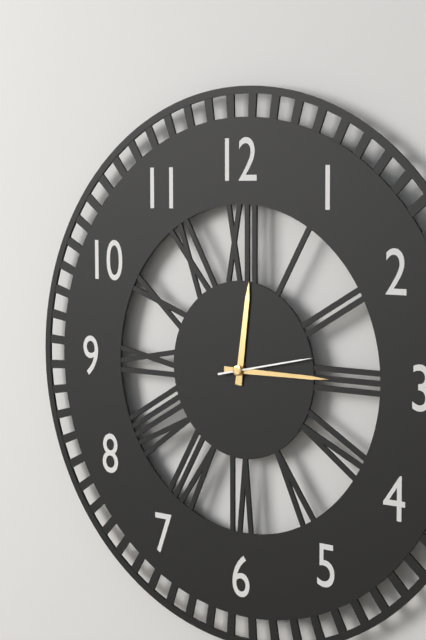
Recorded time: 12:15:13
